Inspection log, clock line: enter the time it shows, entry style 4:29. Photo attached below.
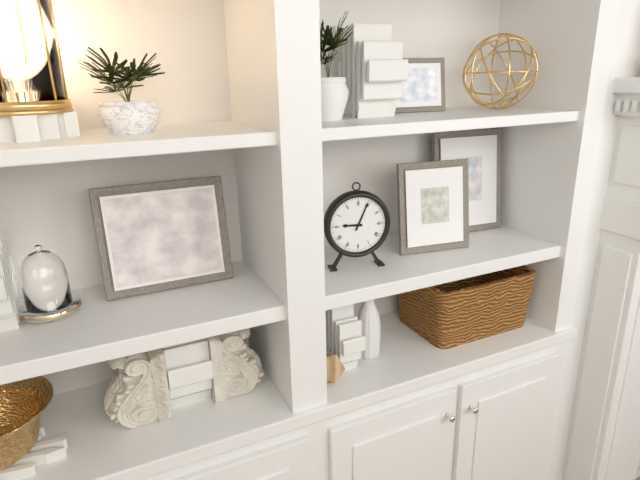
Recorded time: 9:04
